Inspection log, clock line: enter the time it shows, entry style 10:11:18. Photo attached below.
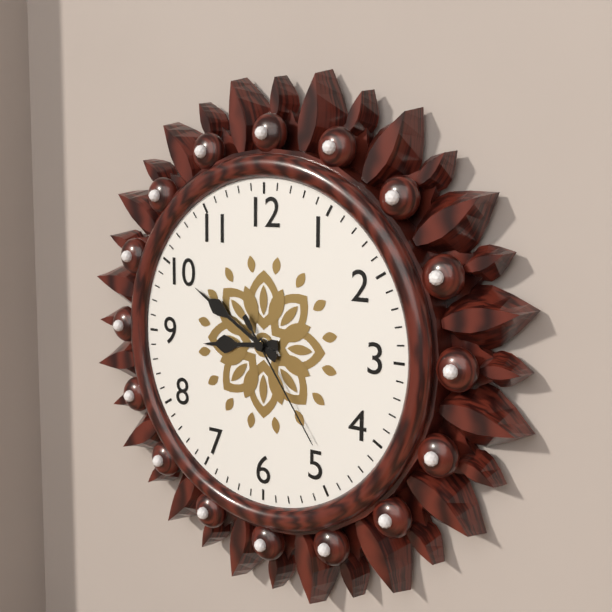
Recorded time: 8:50:24
